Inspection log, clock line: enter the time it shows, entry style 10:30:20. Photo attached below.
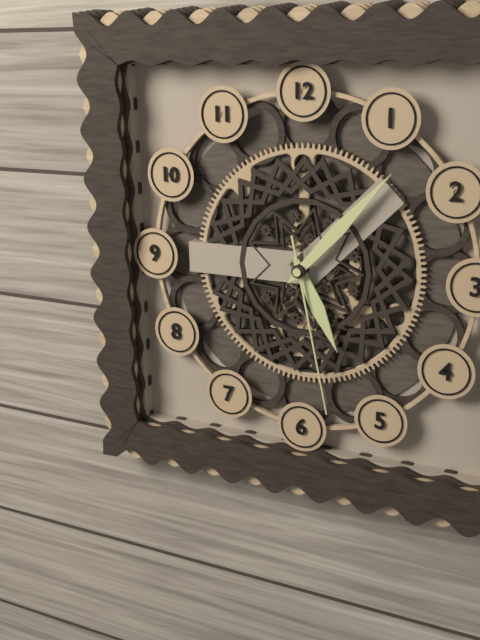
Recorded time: 5:07:28
